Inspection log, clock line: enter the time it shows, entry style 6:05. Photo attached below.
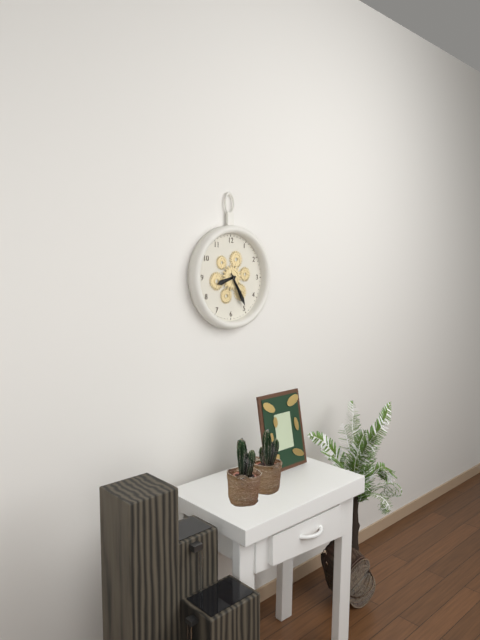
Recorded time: 8:25
